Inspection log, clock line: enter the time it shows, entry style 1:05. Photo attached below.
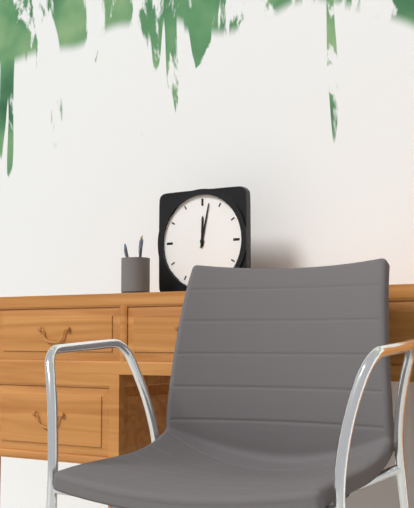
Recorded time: 12:02
